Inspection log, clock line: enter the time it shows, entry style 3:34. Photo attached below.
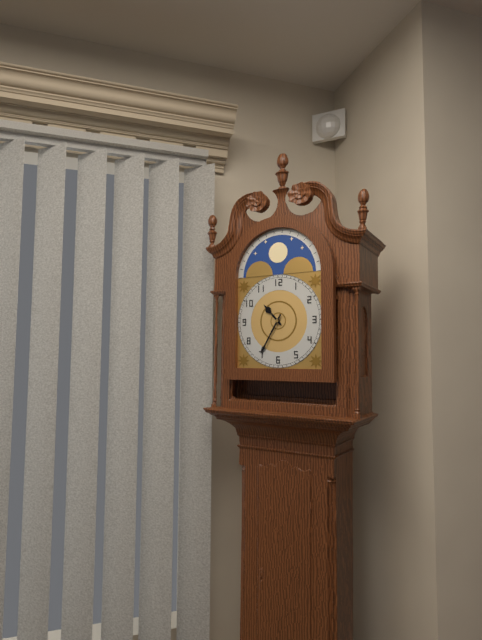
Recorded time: 10:35
